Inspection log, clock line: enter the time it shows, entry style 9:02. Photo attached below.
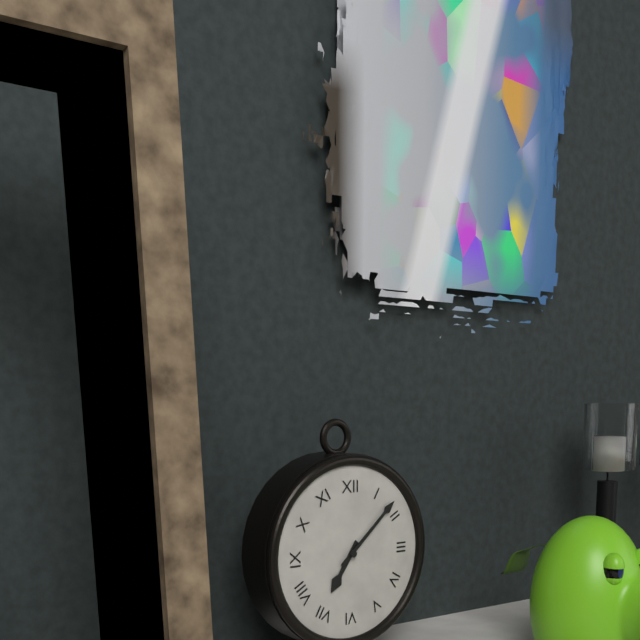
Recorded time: 7:08
